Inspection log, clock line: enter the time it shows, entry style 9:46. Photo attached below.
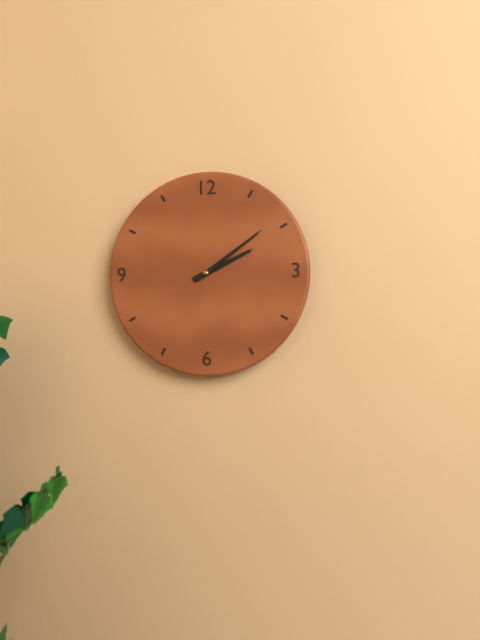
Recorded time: 2:09
